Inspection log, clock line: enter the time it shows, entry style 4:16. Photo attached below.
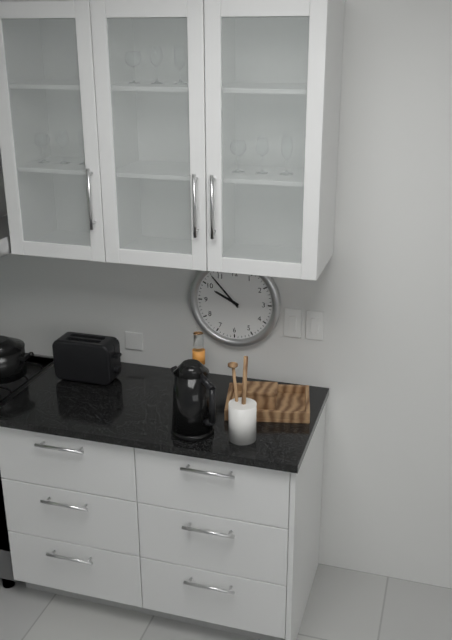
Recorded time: 9:53
